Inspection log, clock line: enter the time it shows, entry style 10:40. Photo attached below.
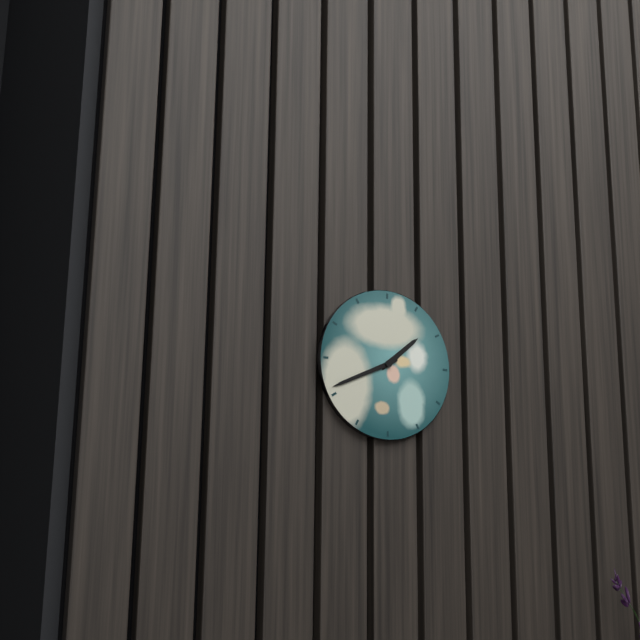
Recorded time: 1:41
